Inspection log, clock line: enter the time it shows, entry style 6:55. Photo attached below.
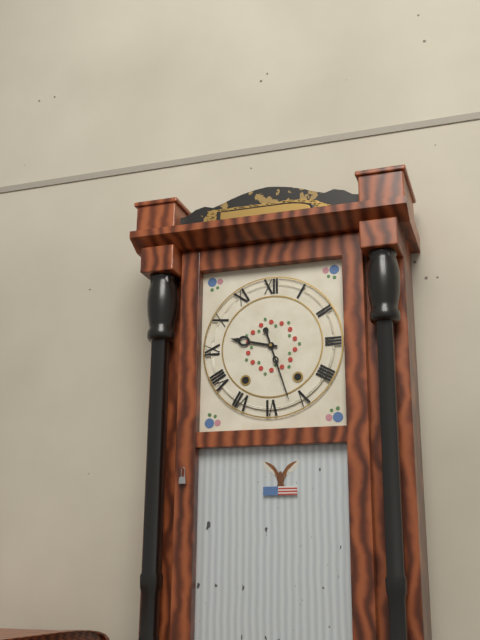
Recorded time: 9:27
